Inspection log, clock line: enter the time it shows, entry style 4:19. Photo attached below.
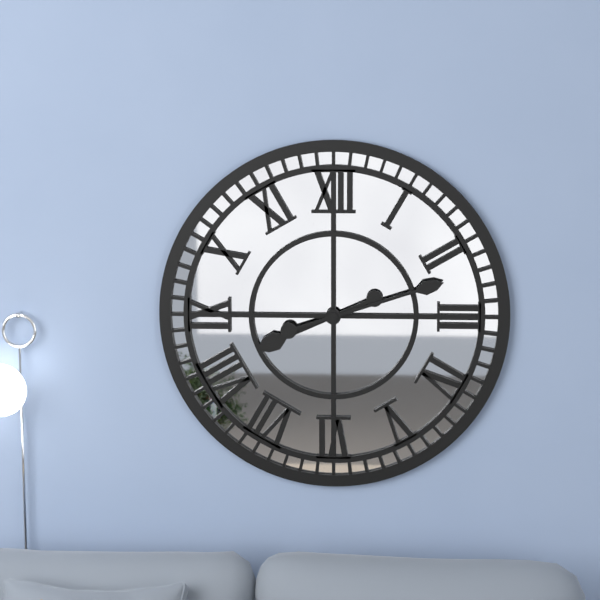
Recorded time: 8:12
